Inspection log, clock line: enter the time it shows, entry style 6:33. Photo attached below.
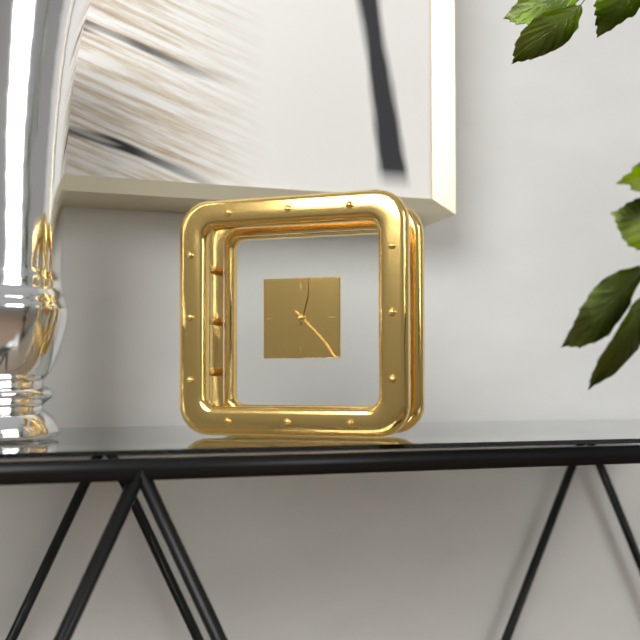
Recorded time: 12:23
